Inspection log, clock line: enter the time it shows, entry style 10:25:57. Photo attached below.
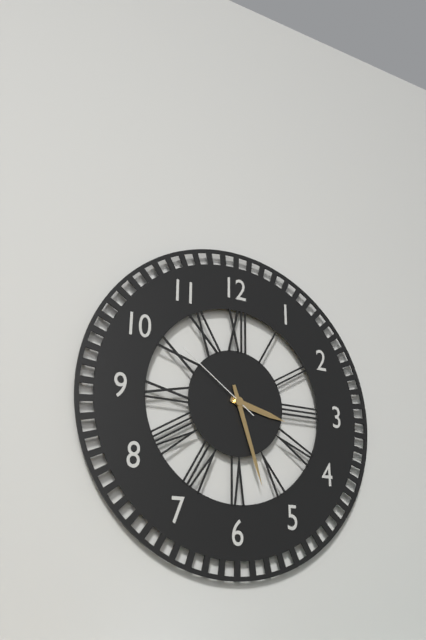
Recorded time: 3:27:51
